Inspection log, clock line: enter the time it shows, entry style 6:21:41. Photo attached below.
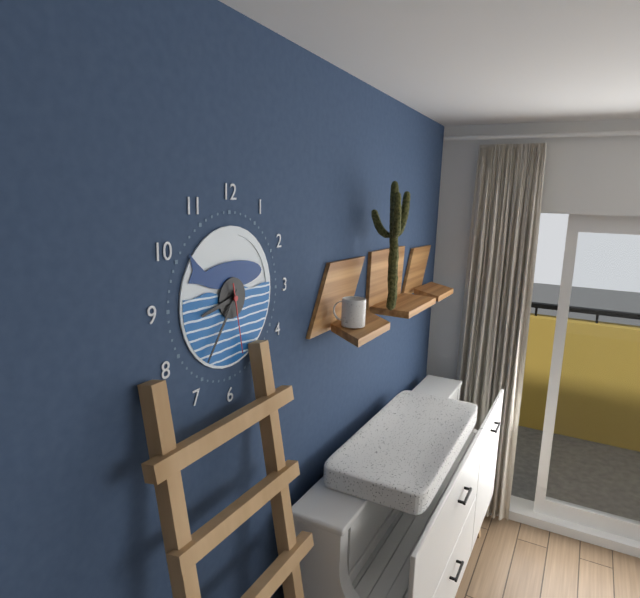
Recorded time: 8:36:28
